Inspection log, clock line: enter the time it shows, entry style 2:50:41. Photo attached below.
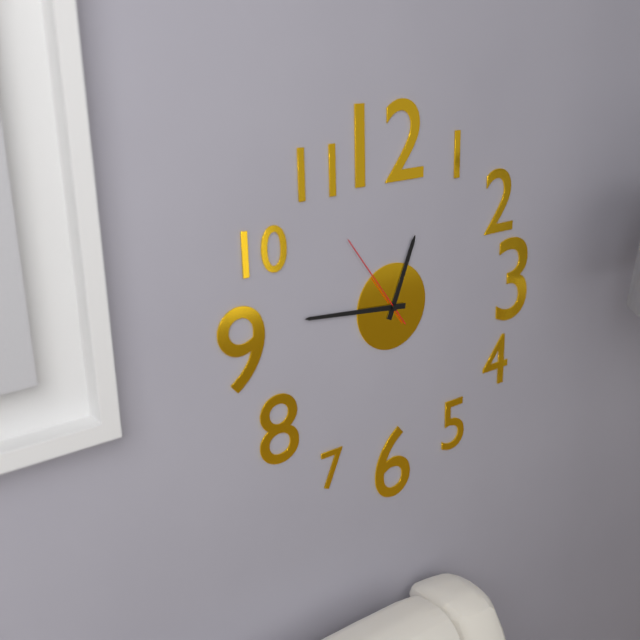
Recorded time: 12:46:54
